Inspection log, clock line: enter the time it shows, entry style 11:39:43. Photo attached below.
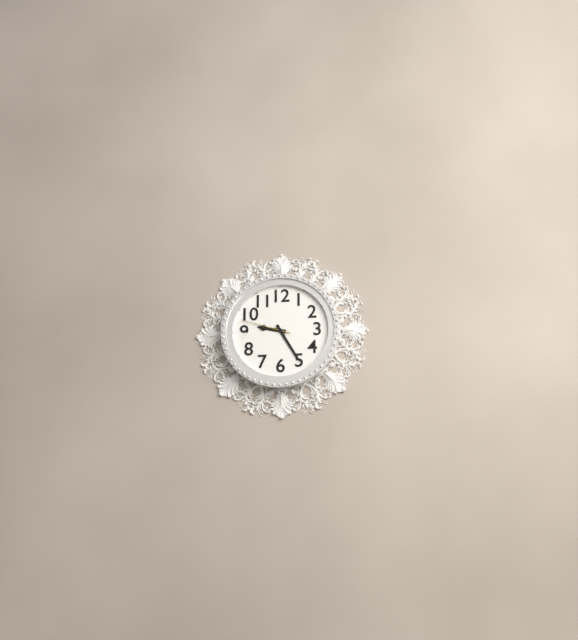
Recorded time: 9:25:48
